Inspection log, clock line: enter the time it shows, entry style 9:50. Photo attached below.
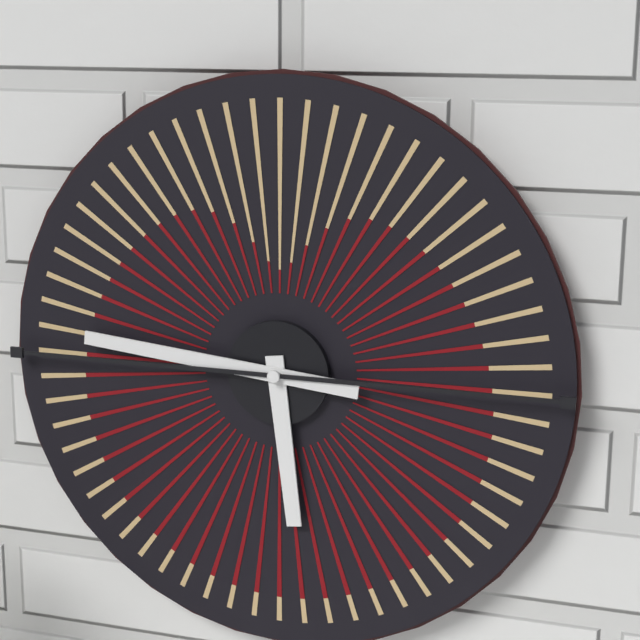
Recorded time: 5:46
